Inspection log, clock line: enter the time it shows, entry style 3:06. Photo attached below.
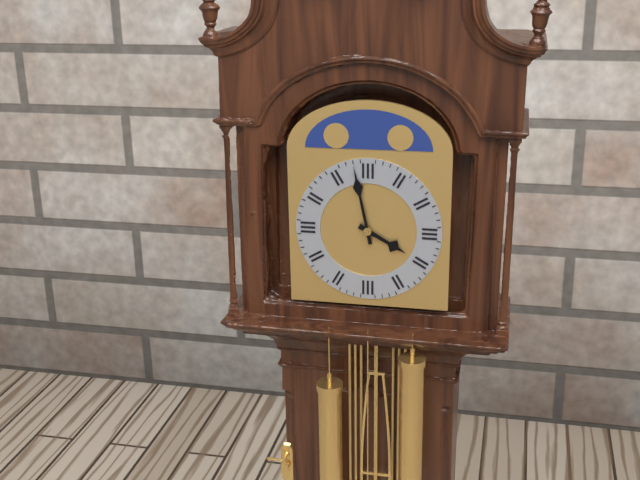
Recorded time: 3:58
